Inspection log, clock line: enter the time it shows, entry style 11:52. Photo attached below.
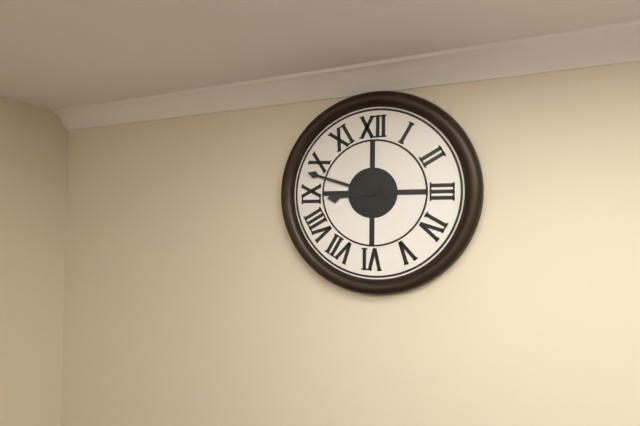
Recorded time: 8:48
